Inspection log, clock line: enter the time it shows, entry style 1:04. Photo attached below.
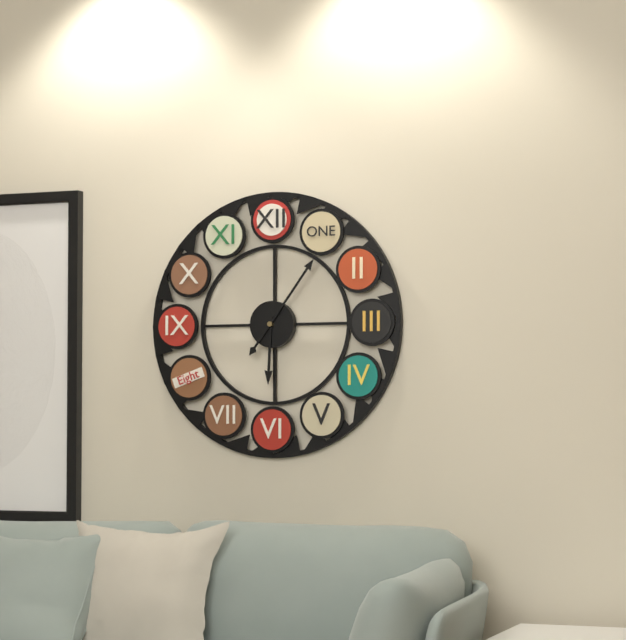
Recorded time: 6:06
